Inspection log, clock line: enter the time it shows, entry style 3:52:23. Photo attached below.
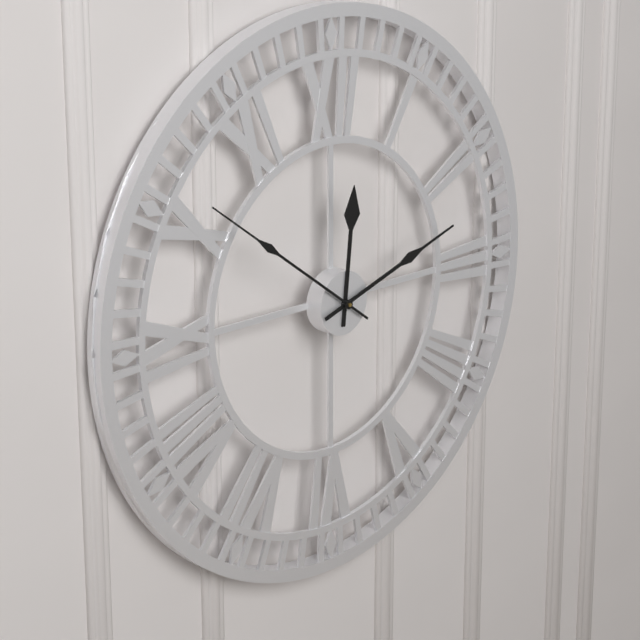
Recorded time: 12:12:51
